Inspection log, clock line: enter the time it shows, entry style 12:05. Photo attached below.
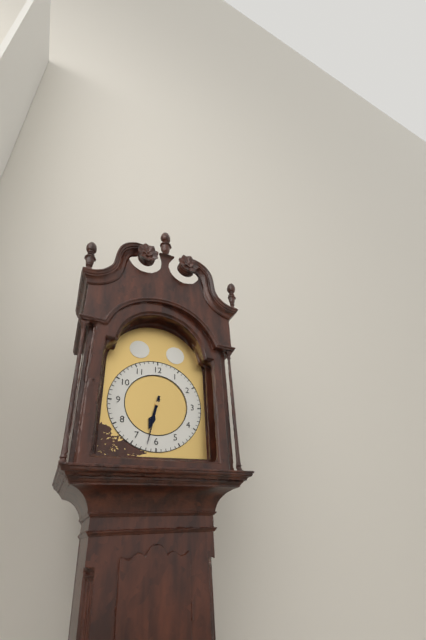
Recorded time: 6:32
